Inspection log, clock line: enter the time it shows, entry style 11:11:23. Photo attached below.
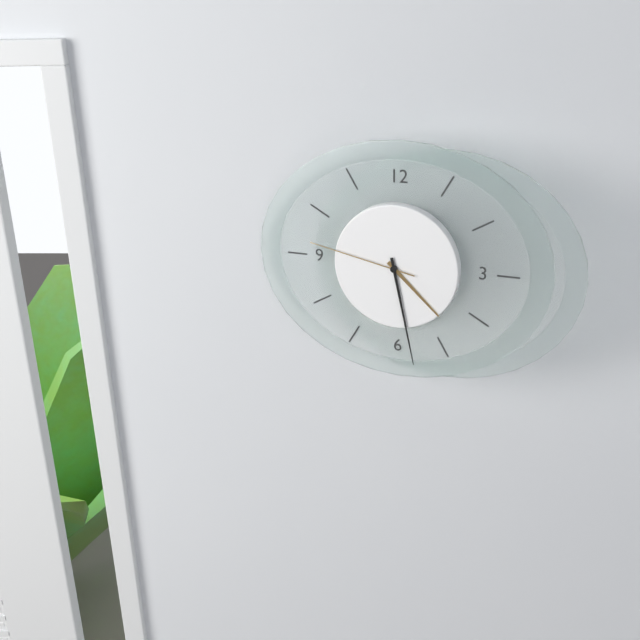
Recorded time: 4:28:47
